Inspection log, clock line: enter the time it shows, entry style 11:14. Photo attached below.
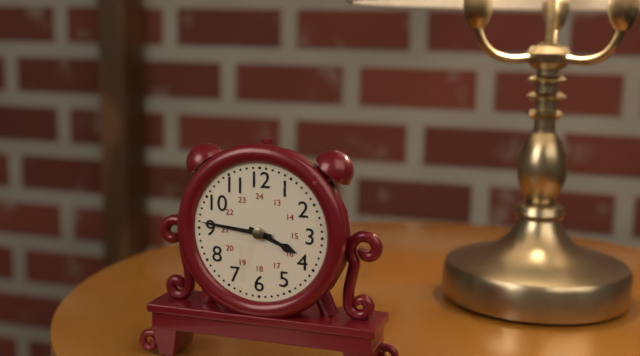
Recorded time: 3:46
